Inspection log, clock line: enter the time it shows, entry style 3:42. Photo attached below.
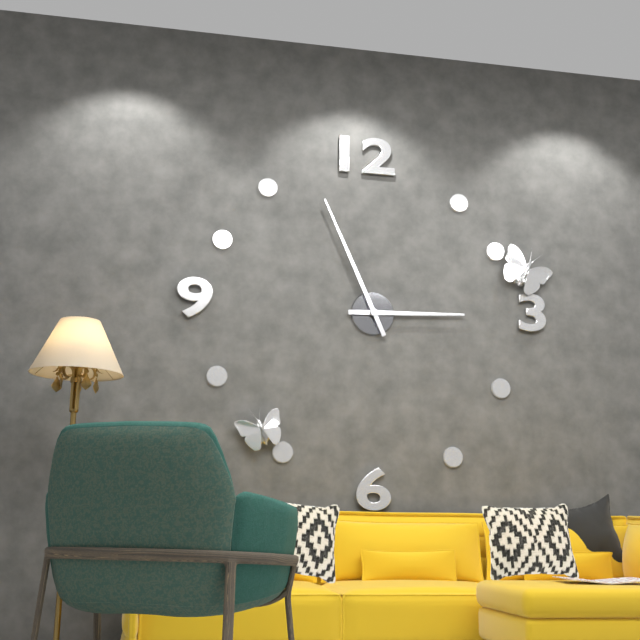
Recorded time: 2:56
